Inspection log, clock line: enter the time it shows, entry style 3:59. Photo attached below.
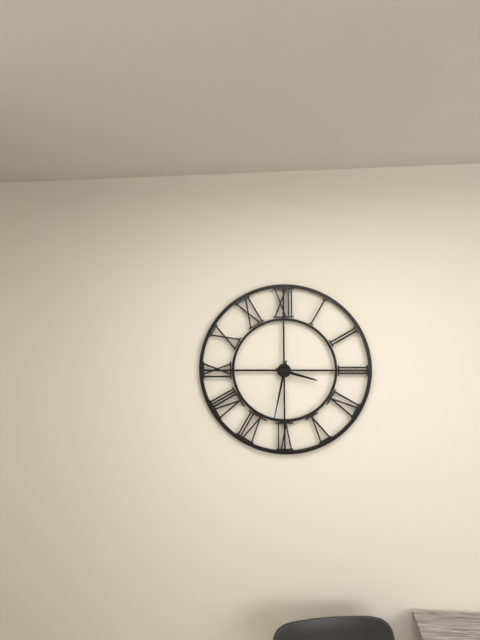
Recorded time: 3:32
